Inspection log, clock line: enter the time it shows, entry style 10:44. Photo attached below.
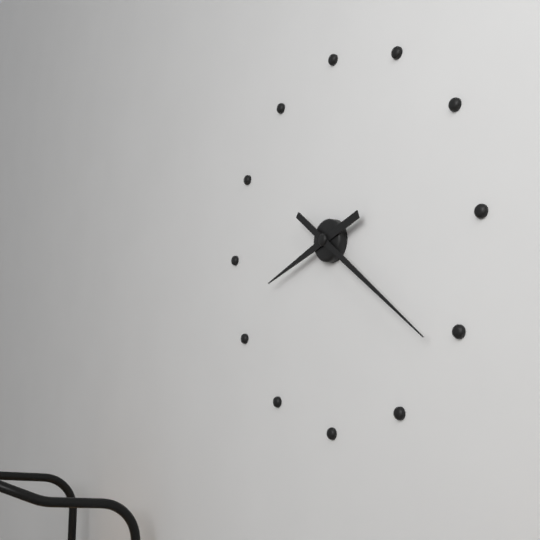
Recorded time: 8:21
